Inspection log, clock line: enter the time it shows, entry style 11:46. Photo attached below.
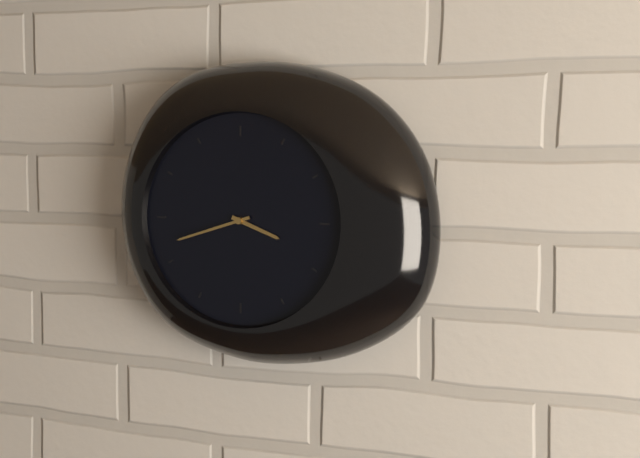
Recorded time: 3:42
